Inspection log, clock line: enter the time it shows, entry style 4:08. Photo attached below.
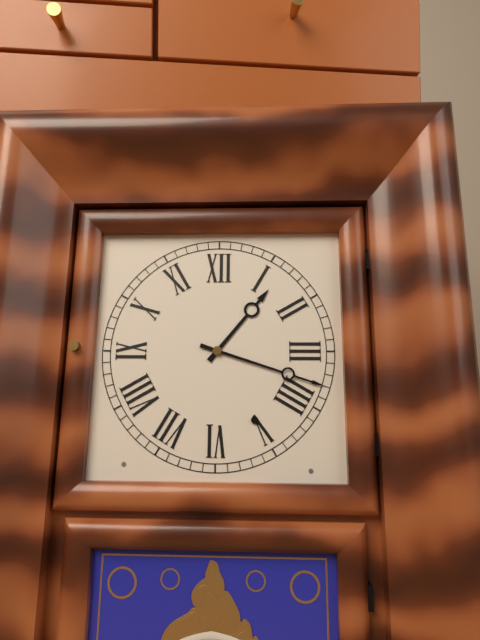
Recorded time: 1:18
